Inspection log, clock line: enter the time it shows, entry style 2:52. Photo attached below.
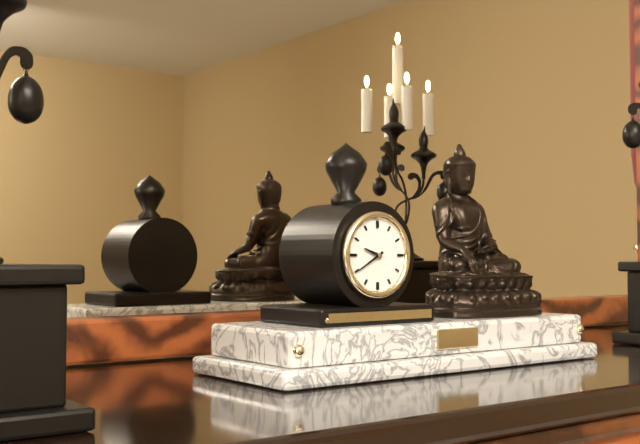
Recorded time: 9:40
